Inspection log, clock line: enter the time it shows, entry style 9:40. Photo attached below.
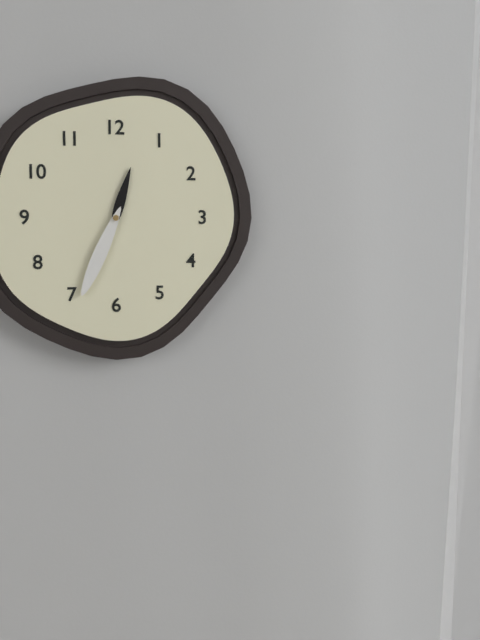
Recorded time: 12:34
